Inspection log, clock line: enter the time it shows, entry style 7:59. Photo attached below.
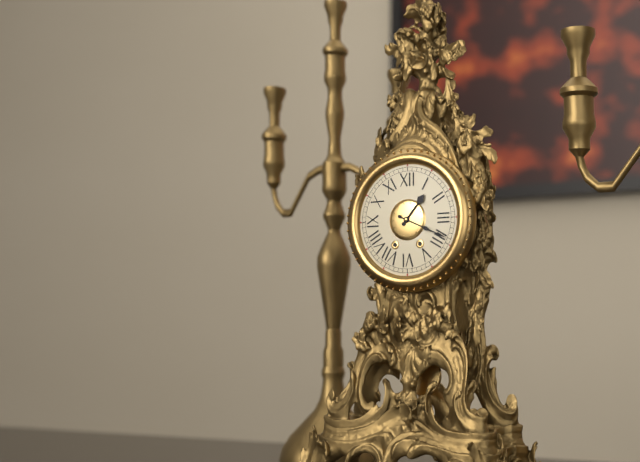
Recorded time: 1:19
